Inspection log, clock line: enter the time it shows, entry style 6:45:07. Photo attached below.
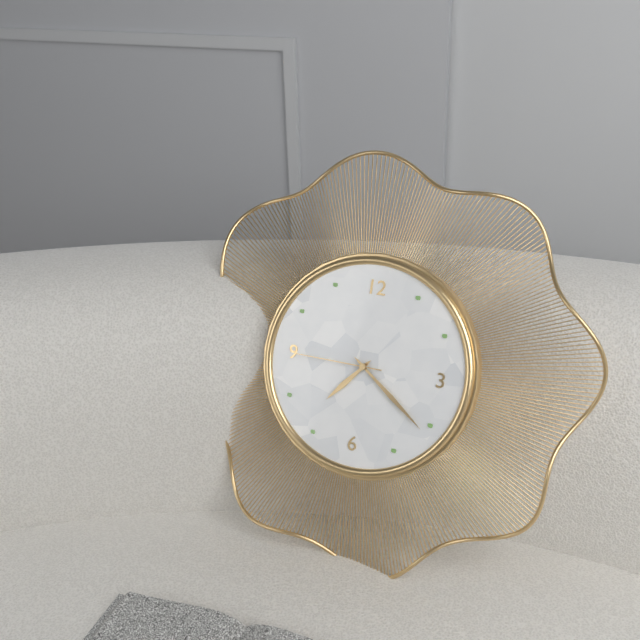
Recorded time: 7:21:45
